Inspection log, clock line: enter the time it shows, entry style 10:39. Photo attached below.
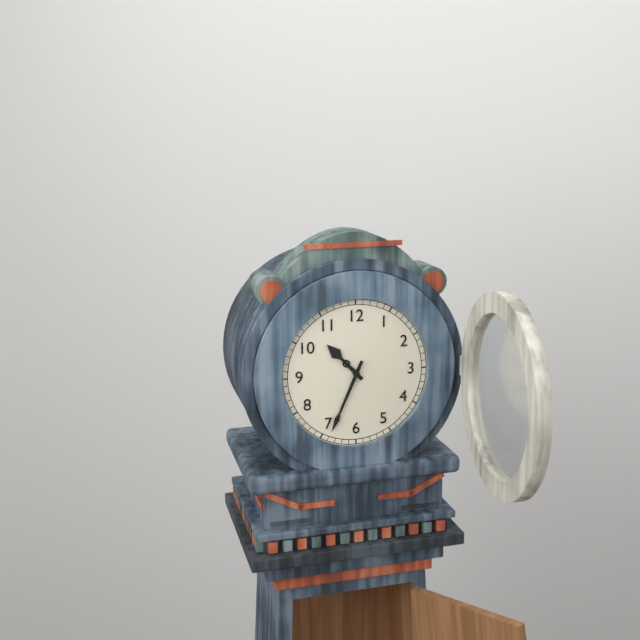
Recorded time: 10:34
